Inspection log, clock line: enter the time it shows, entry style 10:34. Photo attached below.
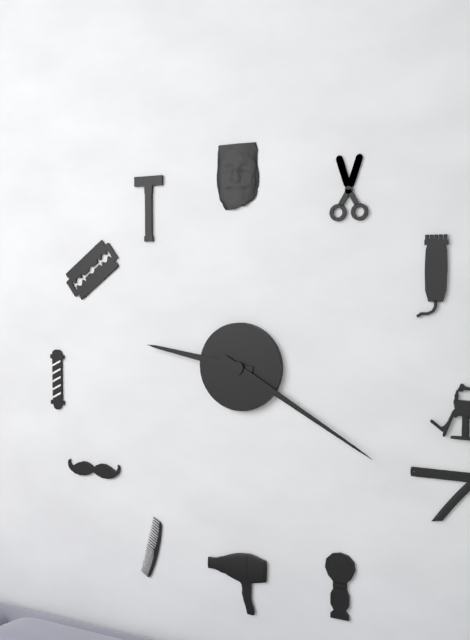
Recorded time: 9:20
